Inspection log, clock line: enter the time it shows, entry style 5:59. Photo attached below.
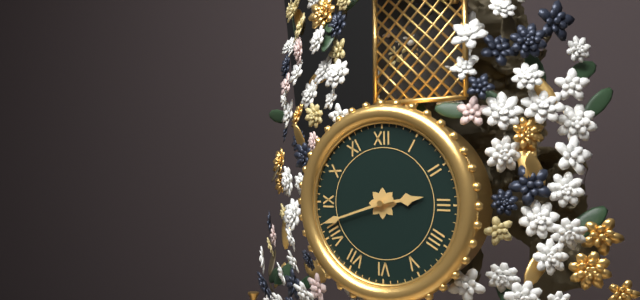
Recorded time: 2:42
